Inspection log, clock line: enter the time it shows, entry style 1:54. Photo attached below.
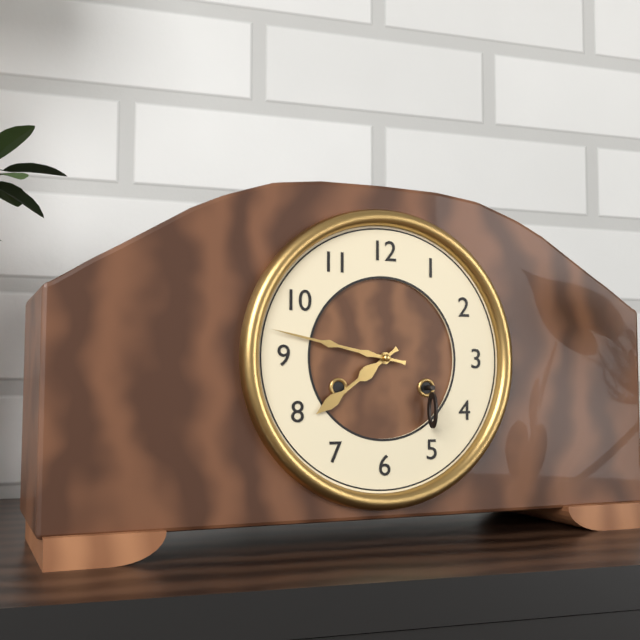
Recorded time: 7:47
